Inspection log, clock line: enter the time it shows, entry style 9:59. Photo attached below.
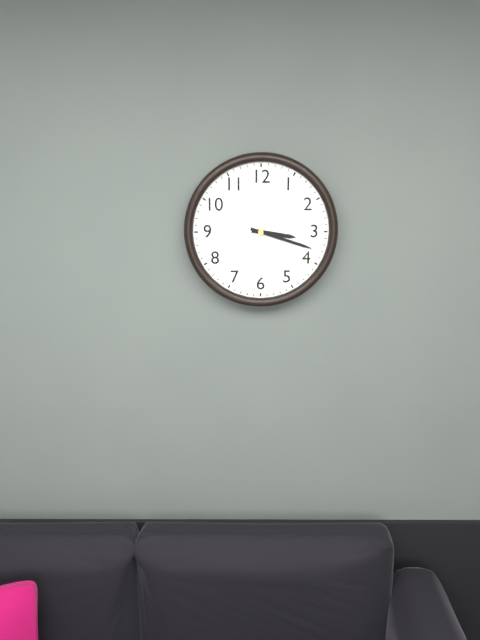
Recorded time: 3:18
